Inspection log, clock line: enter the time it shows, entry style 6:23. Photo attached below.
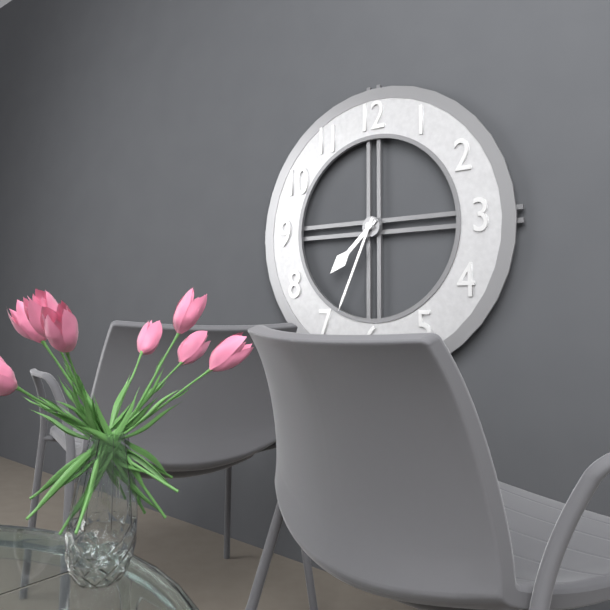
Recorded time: 7:34
